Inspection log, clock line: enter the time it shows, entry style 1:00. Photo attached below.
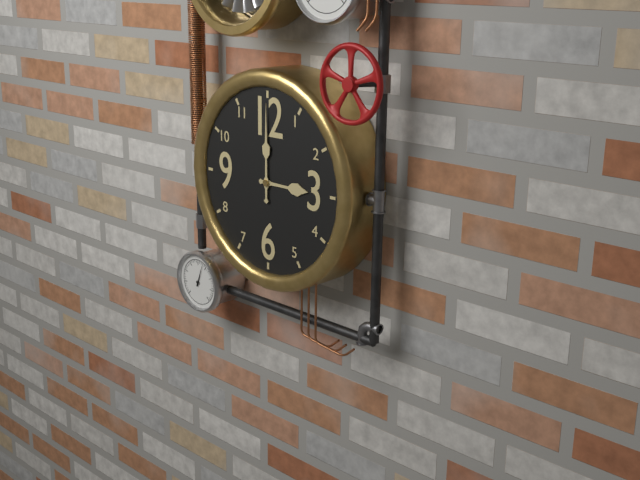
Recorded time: 3:00
